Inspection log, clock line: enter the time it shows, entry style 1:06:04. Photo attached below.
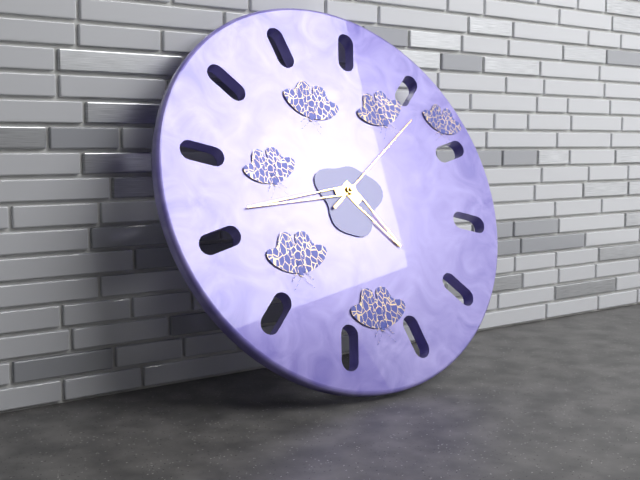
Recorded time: 4:44:09
